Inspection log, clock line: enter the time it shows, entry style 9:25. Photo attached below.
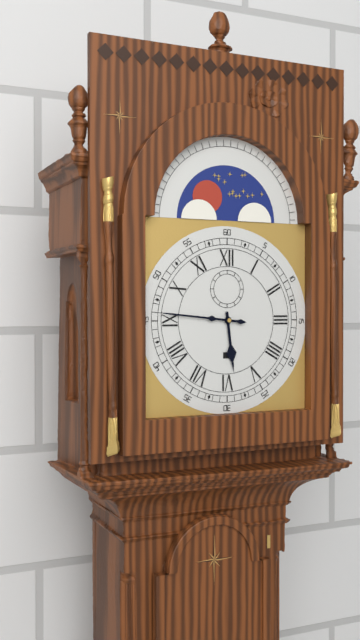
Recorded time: 5:46
